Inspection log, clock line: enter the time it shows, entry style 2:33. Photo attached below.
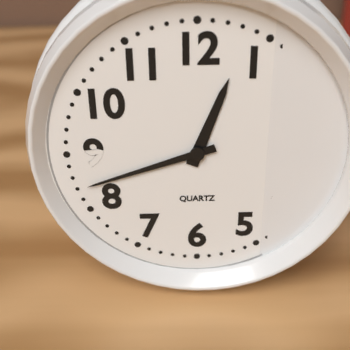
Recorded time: 12:42
